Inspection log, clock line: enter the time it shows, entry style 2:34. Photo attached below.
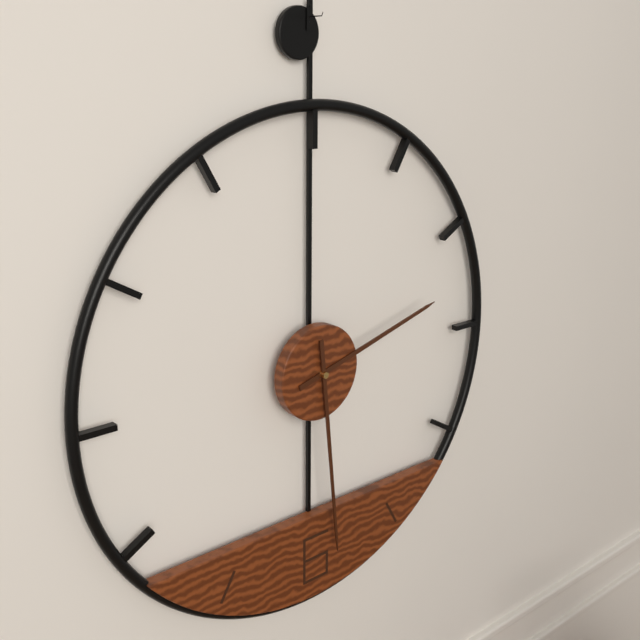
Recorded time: 2:29
